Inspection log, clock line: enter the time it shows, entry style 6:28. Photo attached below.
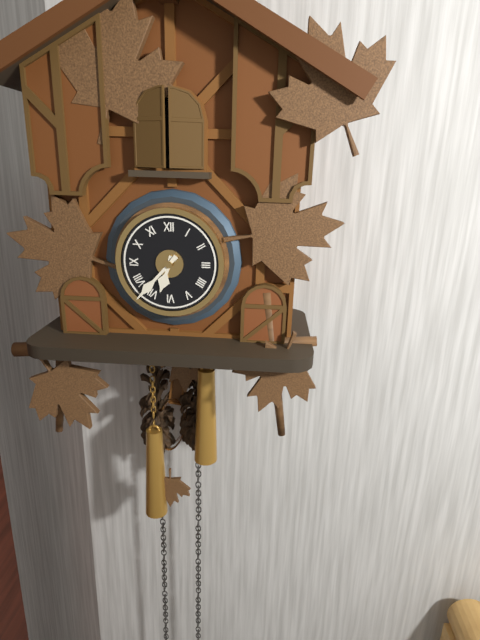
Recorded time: 6:37
